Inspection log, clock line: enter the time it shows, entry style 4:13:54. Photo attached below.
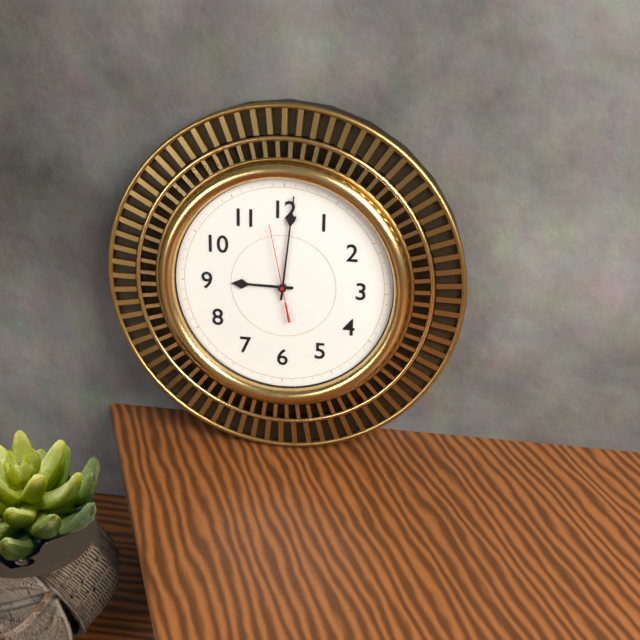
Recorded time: 9:01:58
